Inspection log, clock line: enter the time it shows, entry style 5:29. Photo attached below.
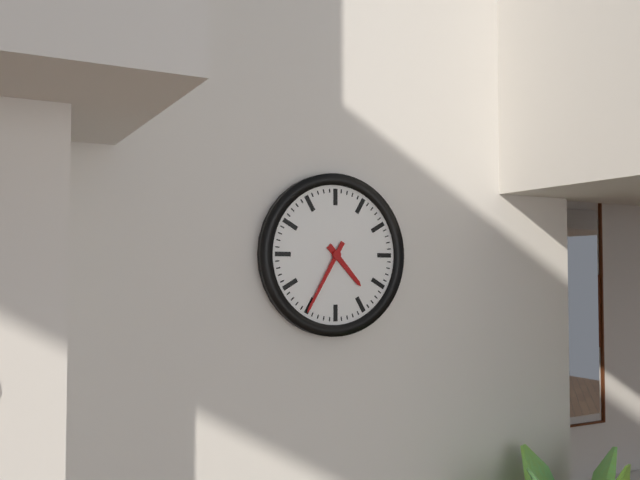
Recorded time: 4:35
